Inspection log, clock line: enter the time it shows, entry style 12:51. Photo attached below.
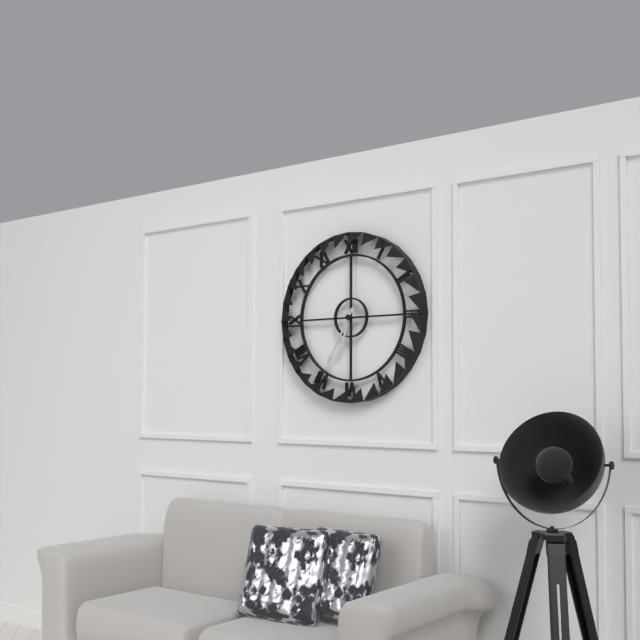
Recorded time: 6:35
